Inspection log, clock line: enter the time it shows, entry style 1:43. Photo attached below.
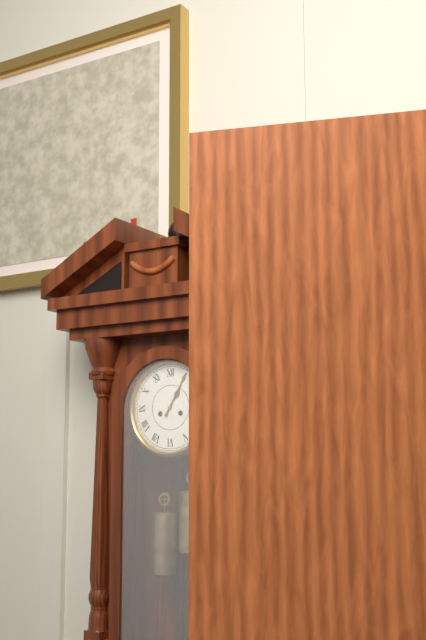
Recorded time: 1:05
